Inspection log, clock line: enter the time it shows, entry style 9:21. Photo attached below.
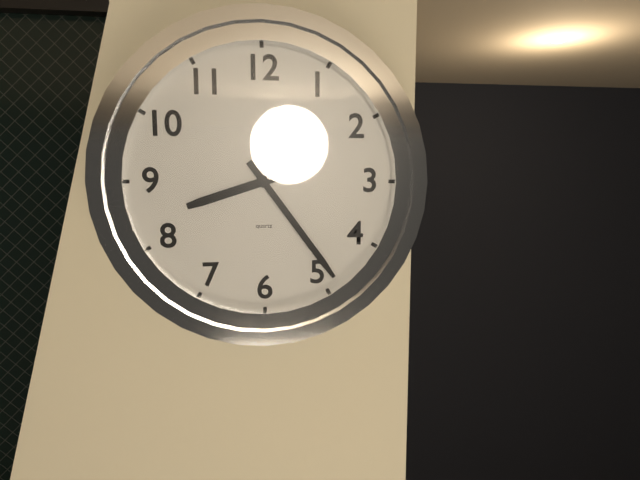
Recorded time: 8:24
